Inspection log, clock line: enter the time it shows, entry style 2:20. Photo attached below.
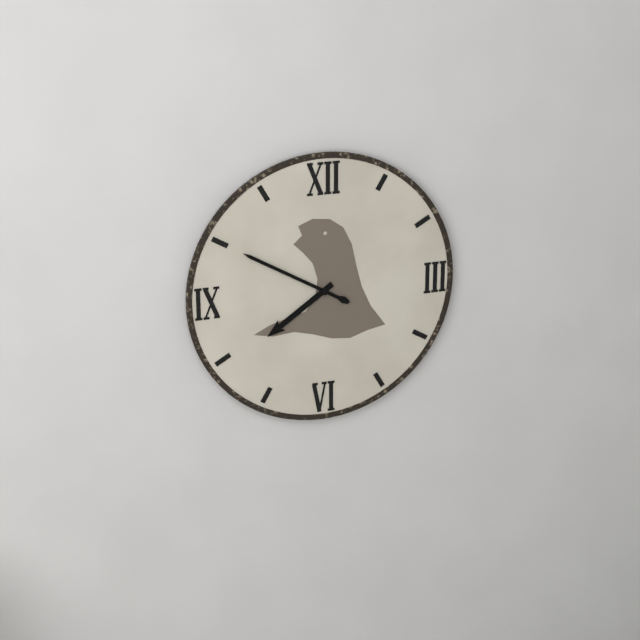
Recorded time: 7:50
